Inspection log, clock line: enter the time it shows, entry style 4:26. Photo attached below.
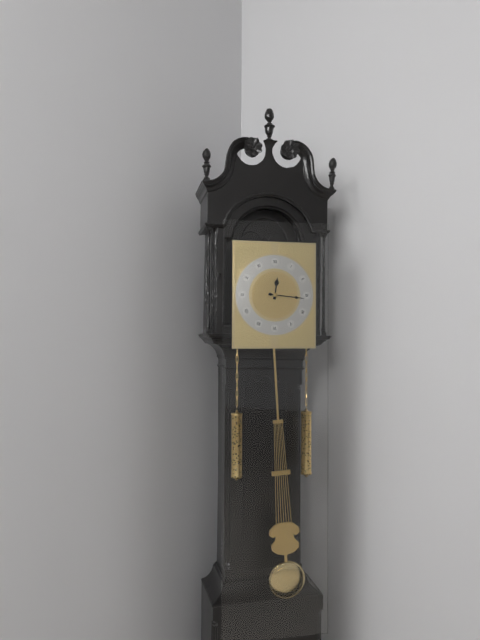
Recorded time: 12:16
